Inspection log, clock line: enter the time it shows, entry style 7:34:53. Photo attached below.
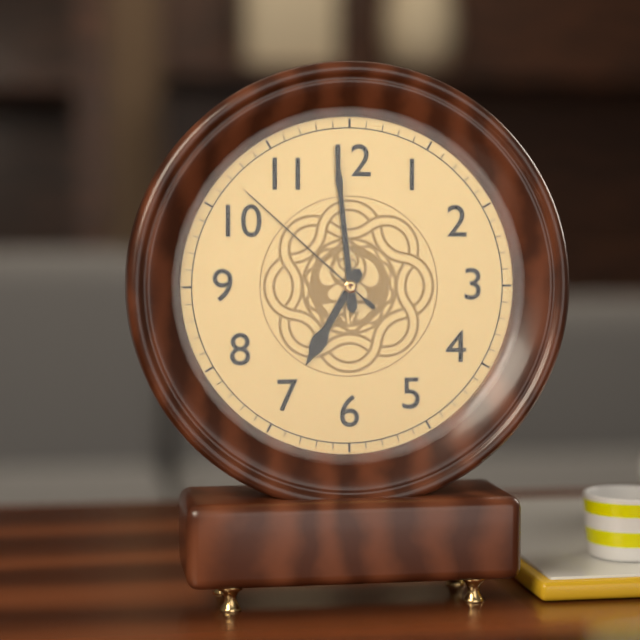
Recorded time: 6:59:52
